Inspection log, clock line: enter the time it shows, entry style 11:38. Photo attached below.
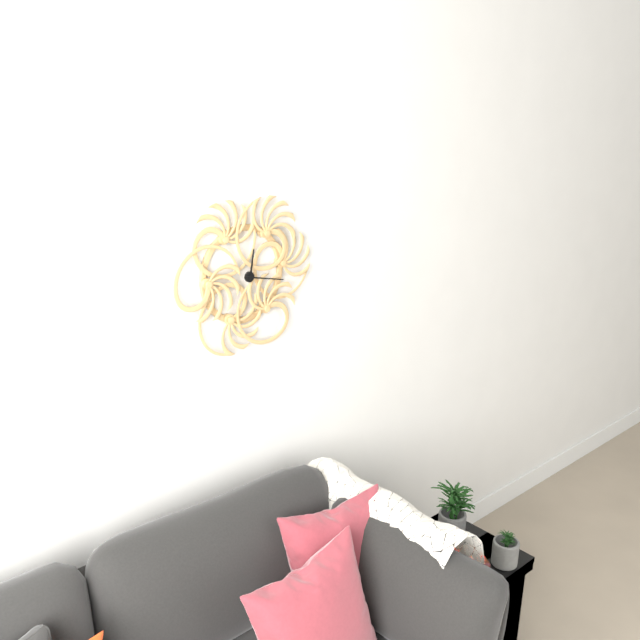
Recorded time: 12:17
